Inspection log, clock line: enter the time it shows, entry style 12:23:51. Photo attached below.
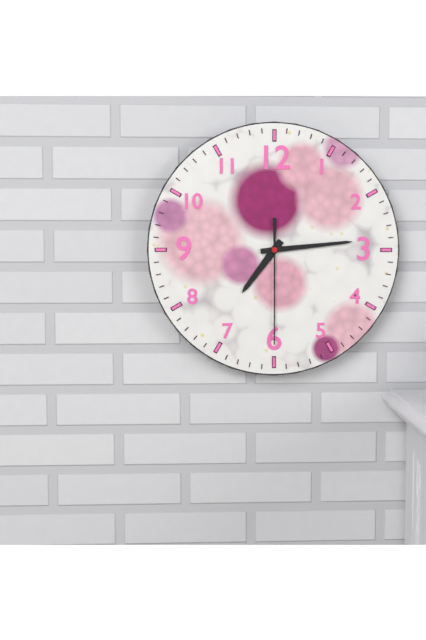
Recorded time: 7:14:30
